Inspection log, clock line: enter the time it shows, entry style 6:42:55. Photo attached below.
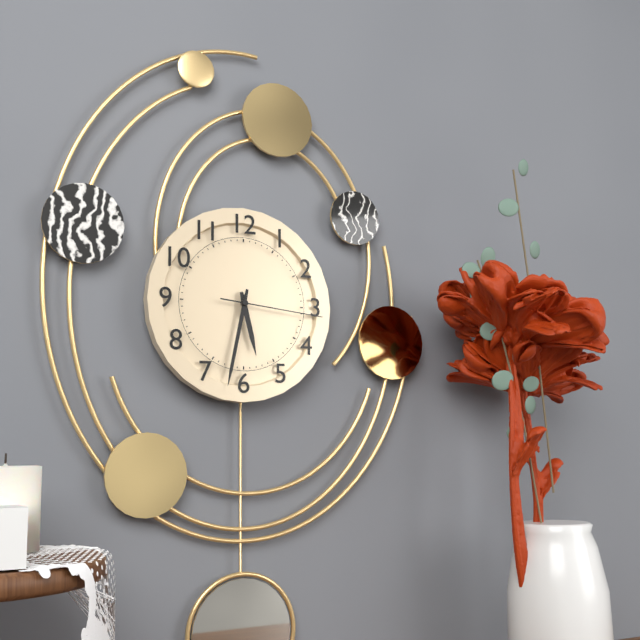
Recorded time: 5:32:16
